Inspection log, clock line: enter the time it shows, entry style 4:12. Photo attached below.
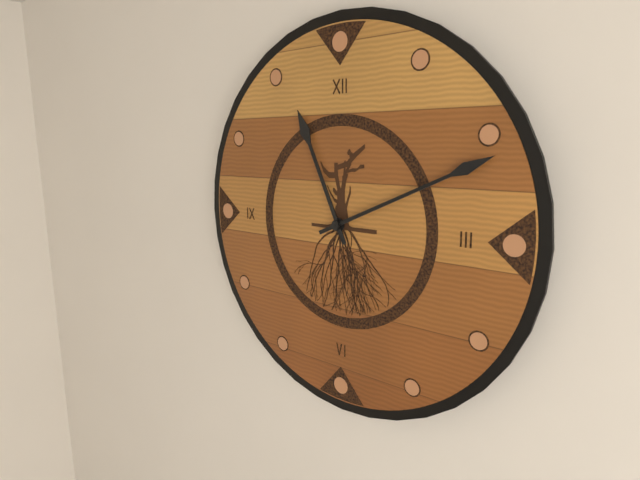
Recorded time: 11:11
